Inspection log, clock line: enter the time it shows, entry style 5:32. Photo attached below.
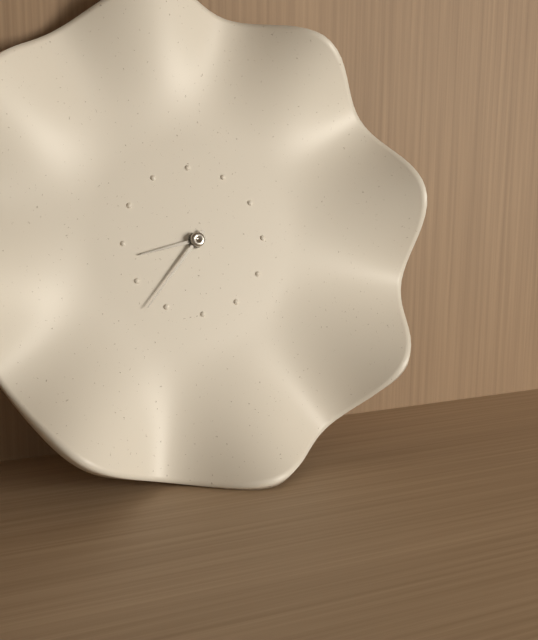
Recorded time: 8:37
